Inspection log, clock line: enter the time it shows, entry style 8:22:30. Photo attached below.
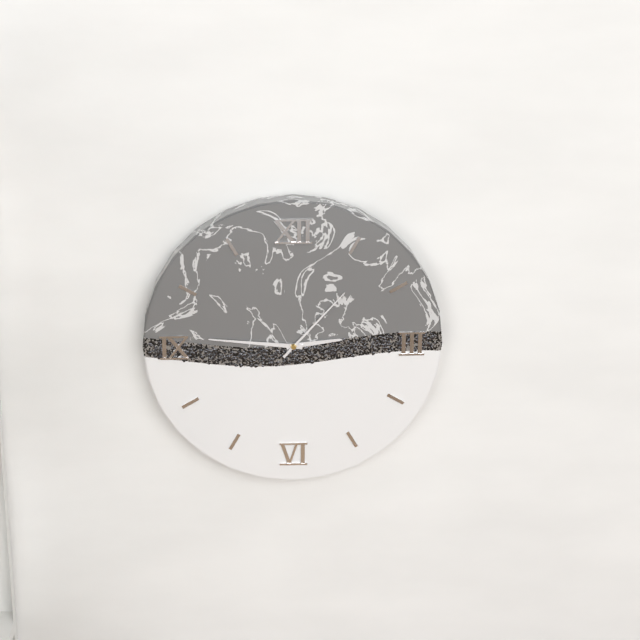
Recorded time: 2:46:07
